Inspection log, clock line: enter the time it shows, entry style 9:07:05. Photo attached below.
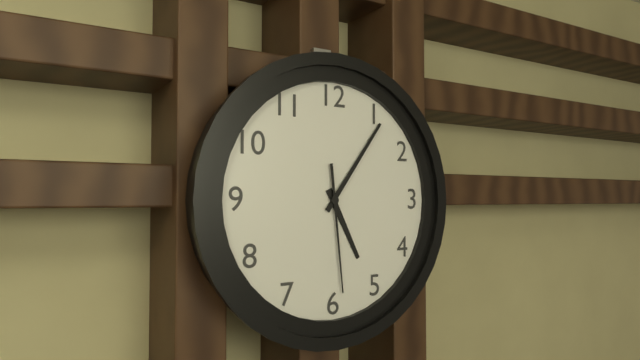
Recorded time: 5:06:29
